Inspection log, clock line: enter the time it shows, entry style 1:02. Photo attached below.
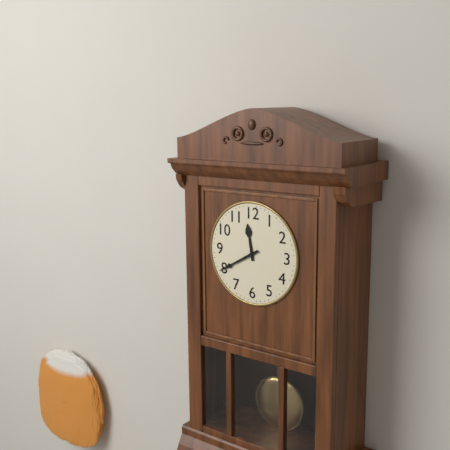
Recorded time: 11:40
